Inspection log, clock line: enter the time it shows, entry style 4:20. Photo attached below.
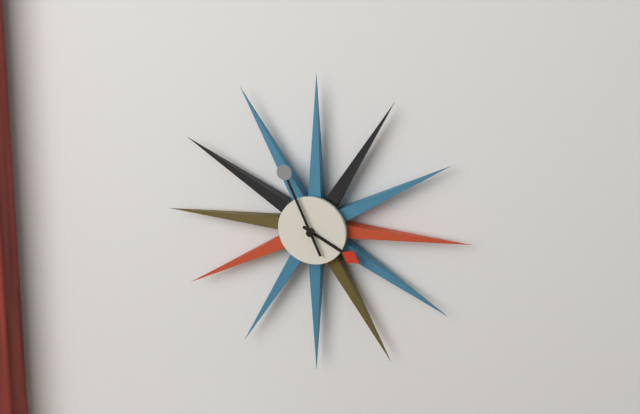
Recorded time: 3:56
